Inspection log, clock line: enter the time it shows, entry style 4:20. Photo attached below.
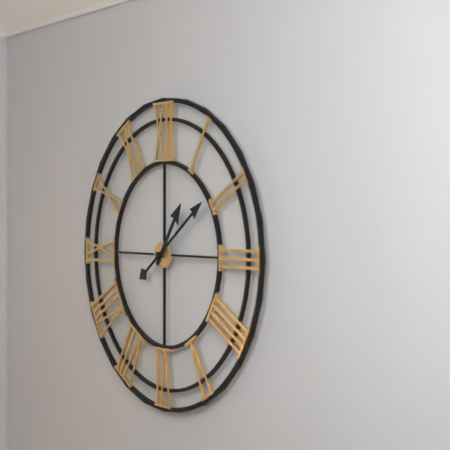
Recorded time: 1:09
